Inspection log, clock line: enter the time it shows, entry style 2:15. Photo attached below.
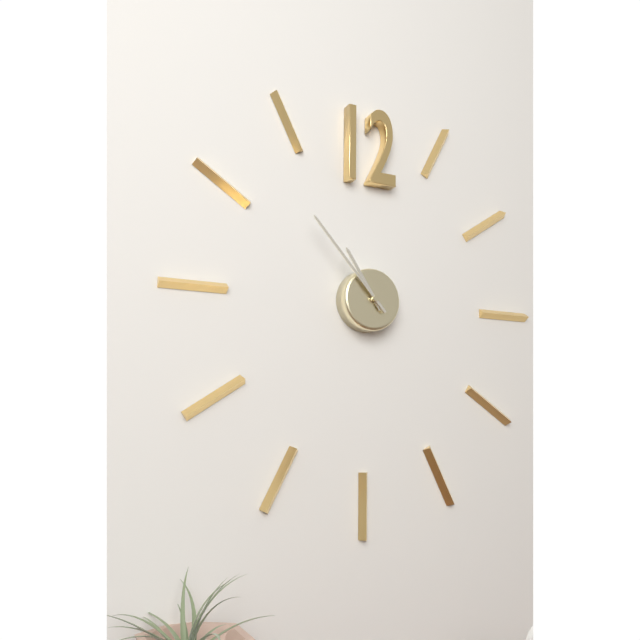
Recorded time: 10:53
